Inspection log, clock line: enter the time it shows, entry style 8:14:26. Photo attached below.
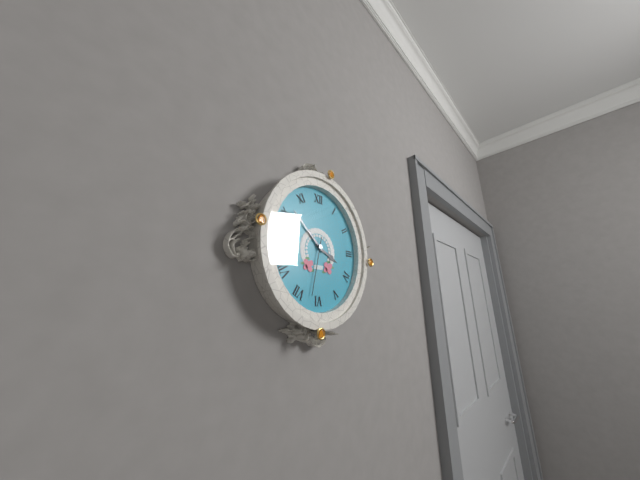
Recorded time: 3:52:32
